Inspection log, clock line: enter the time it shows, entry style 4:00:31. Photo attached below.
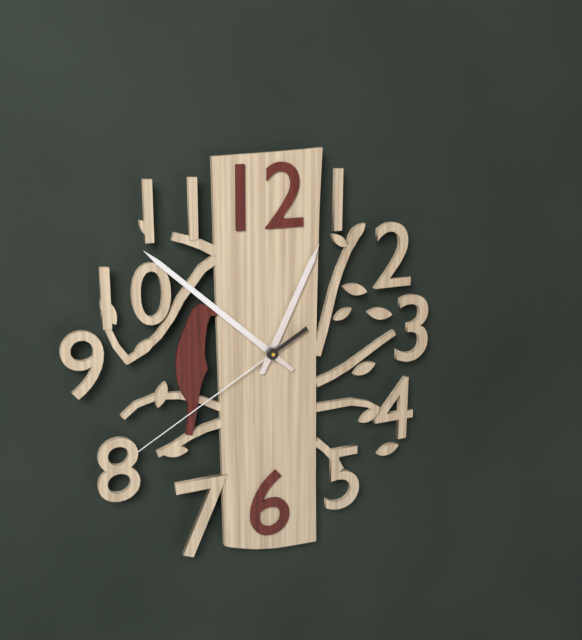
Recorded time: 12:52:40
